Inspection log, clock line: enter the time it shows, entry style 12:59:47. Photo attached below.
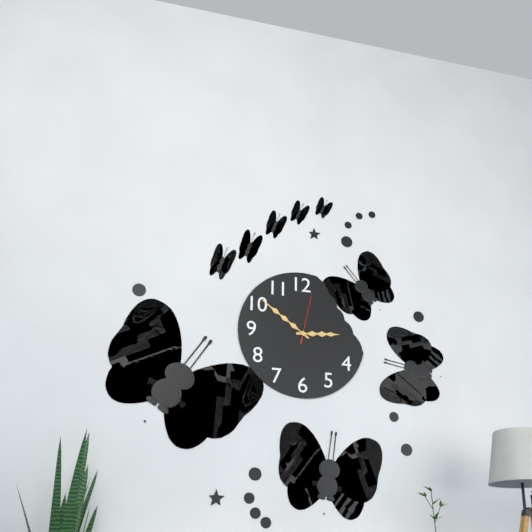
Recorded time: 2:51:02
